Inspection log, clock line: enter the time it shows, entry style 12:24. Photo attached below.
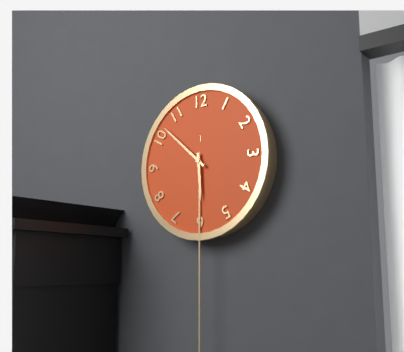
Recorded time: 5:52
